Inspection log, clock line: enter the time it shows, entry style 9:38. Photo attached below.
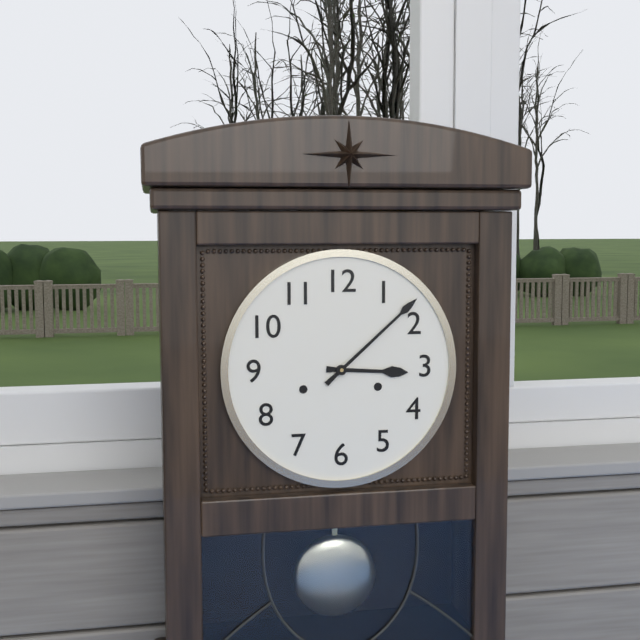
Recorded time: 3:08
